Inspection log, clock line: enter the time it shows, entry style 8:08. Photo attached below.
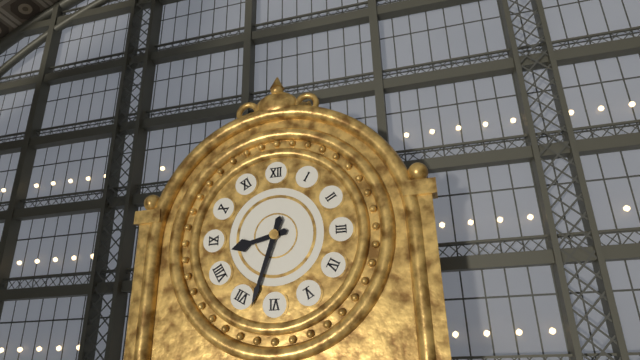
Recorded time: 8:33
